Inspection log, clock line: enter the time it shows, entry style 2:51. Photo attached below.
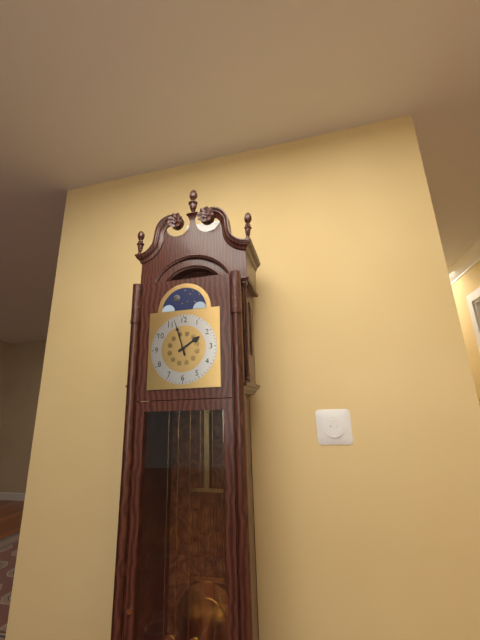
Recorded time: 1:57
